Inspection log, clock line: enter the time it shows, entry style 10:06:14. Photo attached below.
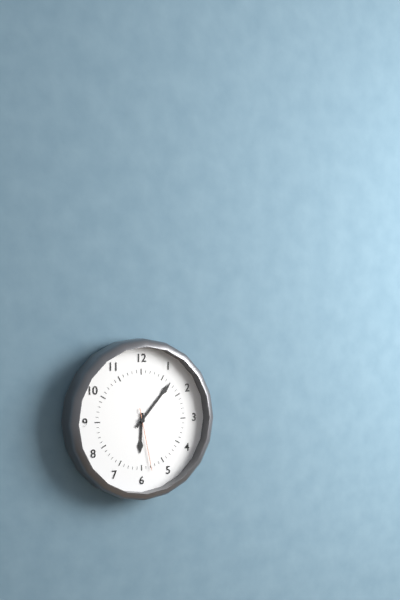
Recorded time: 6:07:28
